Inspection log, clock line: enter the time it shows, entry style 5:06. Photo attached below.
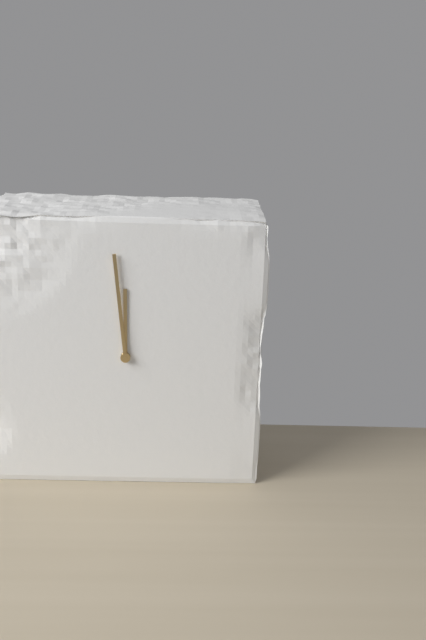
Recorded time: 11:59
